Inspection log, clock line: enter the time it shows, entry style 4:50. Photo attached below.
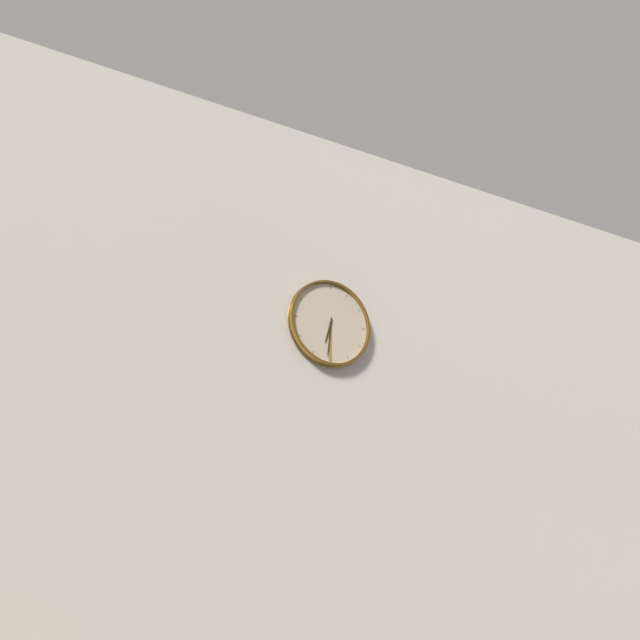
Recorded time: 6:31
